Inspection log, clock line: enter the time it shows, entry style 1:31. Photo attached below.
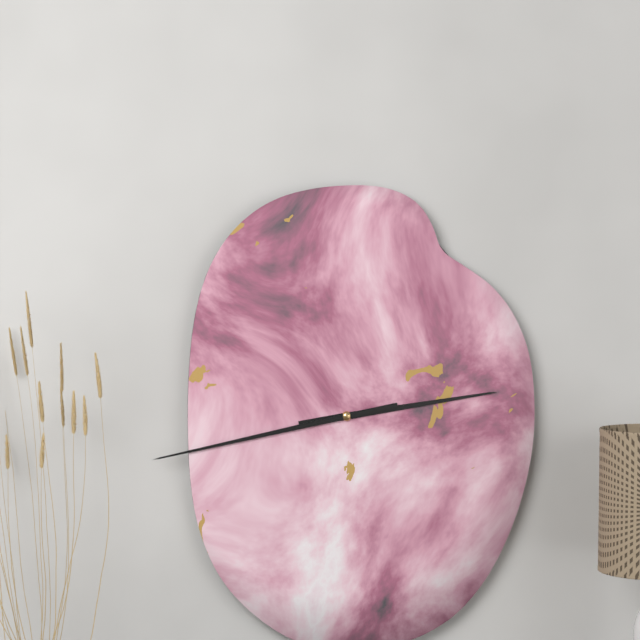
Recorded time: 2:43
